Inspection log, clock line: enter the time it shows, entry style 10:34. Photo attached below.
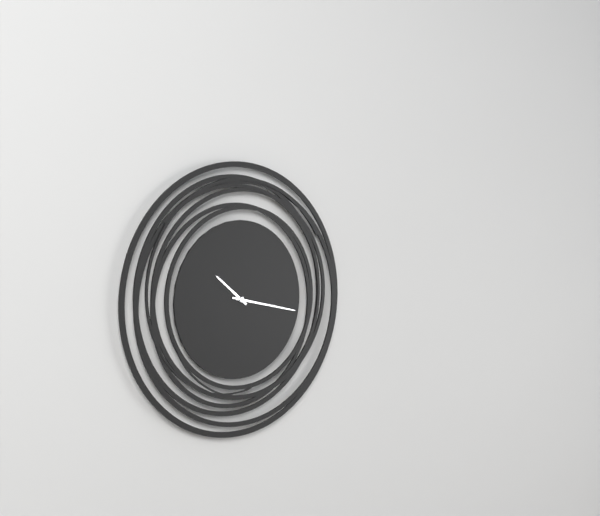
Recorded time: 10:17
